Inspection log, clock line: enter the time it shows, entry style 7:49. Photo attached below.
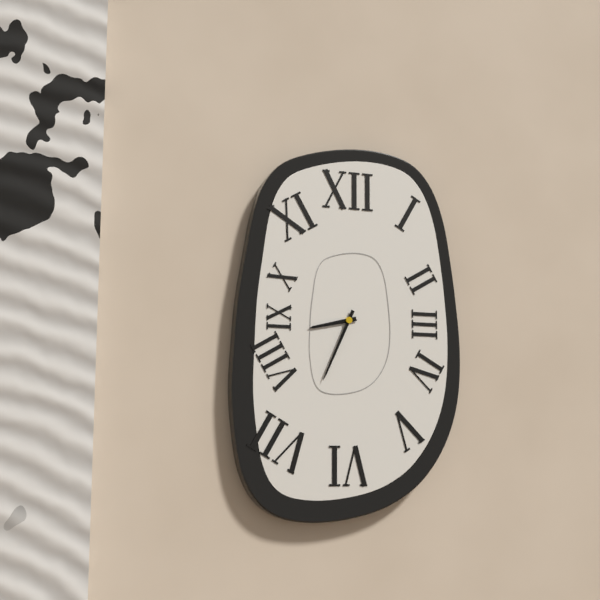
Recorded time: 8:34
